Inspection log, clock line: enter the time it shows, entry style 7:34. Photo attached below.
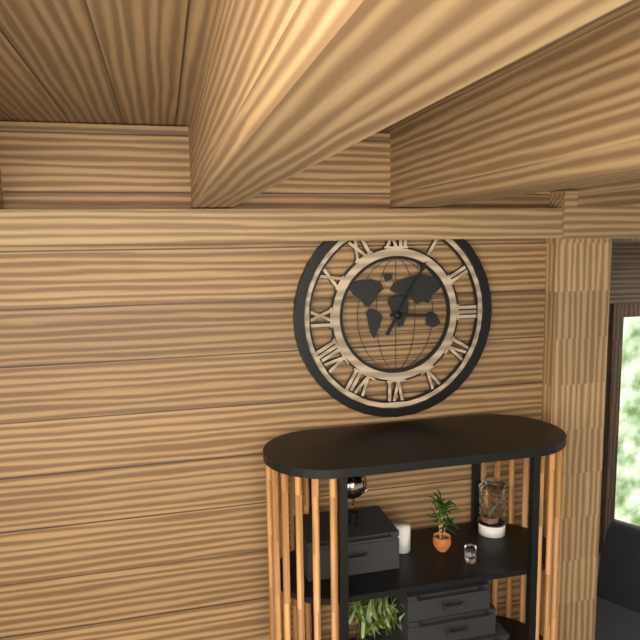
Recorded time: 3:05
